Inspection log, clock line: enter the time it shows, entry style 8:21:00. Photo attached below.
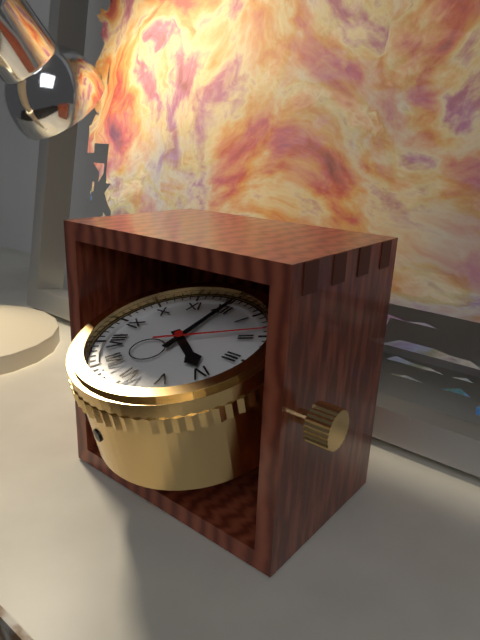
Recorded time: 4:00:09
